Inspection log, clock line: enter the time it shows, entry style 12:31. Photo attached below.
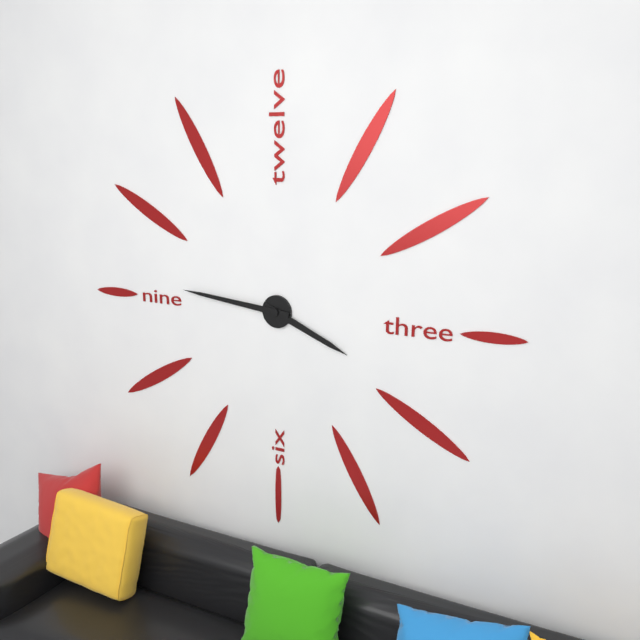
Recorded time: 3:46
